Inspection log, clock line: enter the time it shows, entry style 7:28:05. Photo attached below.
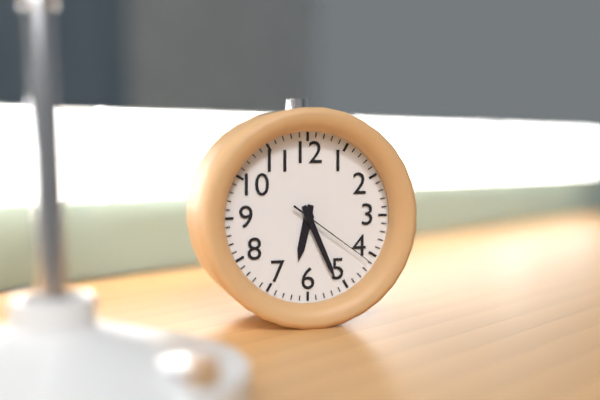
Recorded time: 6:26:21
